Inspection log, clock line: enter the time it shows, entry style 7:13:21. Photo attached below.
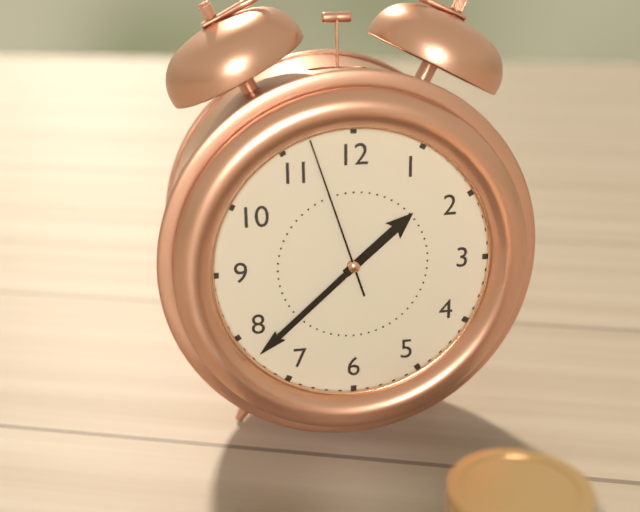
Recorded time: 1:38:57
